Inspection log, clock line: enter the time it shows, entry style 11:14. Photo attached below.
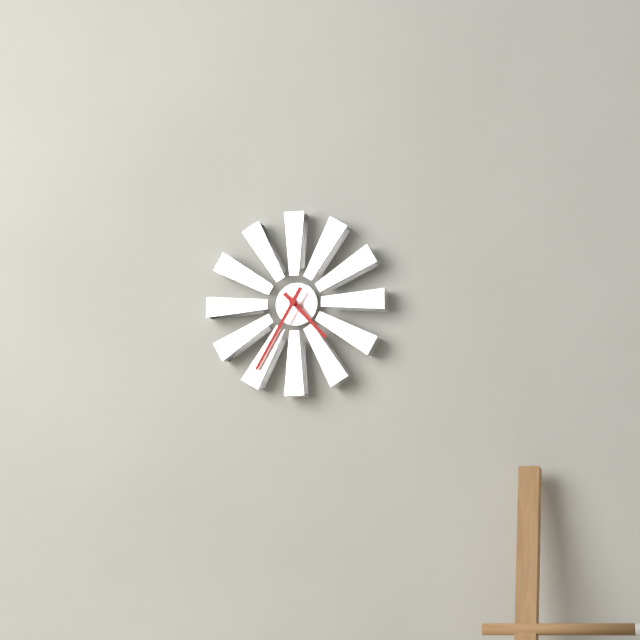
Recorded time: 4:35
